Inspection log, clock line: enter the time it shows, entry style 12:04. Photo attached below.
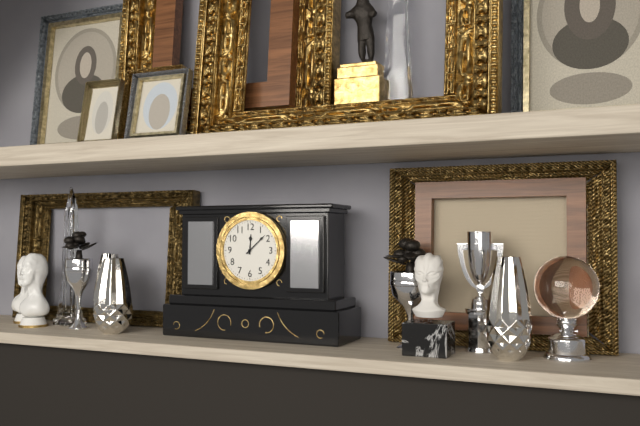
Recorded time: 12:08
